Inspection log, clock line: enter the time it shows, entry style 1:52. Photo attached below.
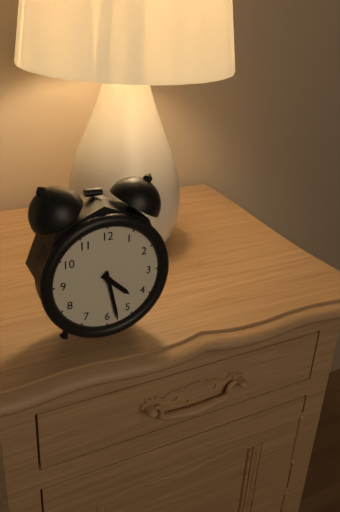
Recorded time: 4:28
